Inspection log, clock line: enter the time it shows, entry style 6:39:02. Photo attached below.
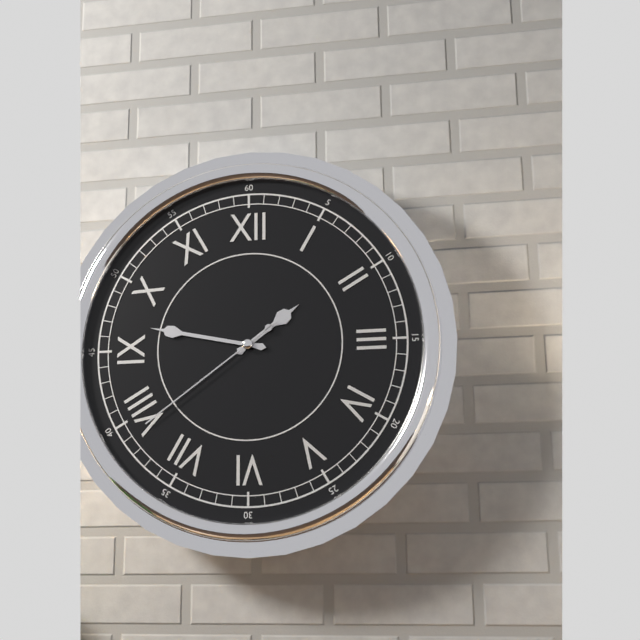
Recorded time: 1:47:39
